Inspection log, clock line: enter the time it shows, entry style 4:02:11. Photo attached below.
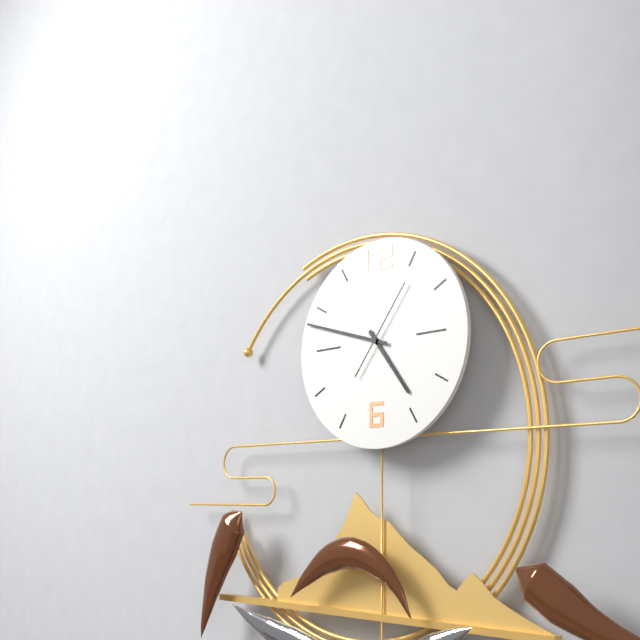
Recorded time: 4:48:06
